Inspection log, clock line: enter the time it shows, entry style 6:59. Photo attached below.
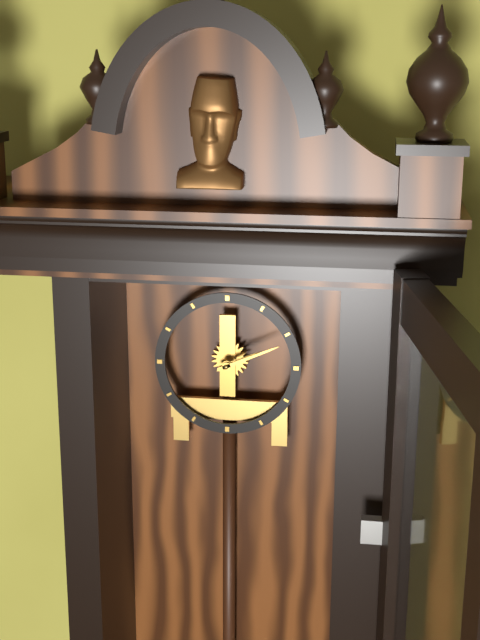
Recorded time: 2:11
